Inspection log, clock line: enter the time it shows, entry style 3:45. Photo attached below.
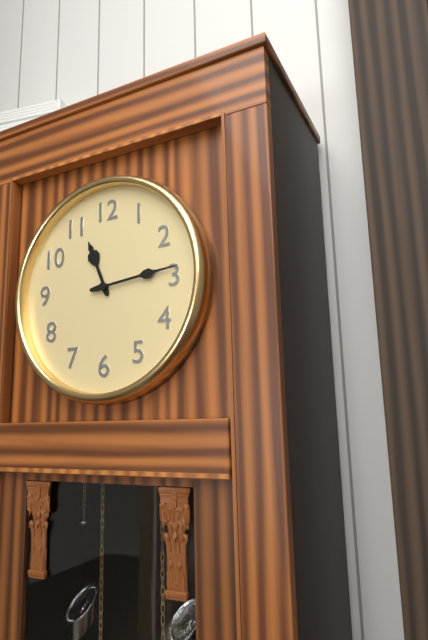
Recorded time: 11:14
